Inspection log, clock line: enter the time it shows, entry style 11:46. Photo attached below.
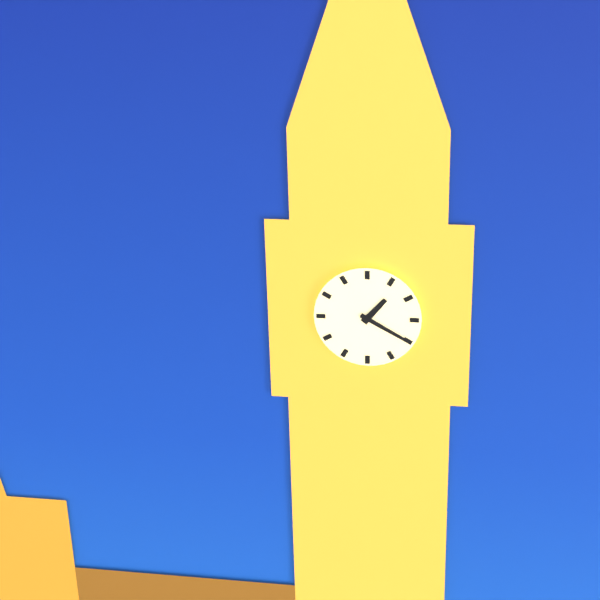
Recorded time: 1:20
